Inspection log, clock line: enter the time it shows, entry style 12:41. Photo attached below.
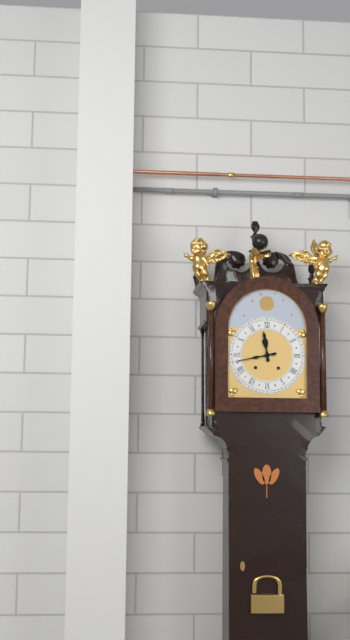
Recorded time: 11:43
